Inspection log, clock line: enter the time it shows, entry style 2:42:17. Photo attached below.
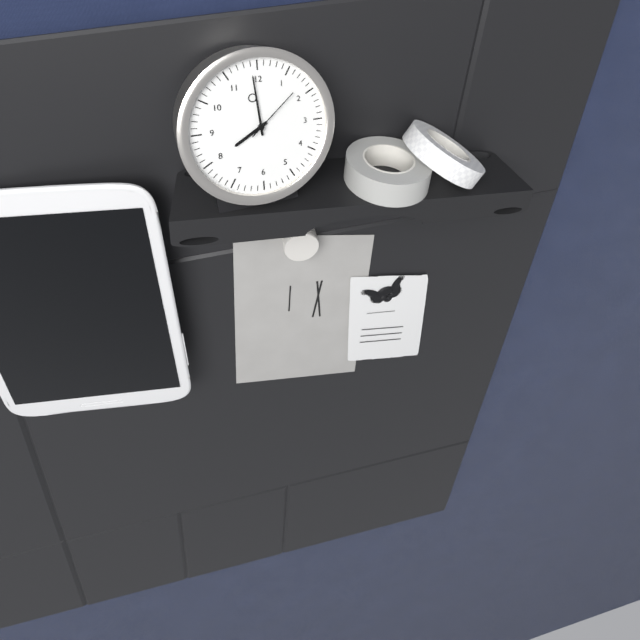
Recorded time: 7:59:08
